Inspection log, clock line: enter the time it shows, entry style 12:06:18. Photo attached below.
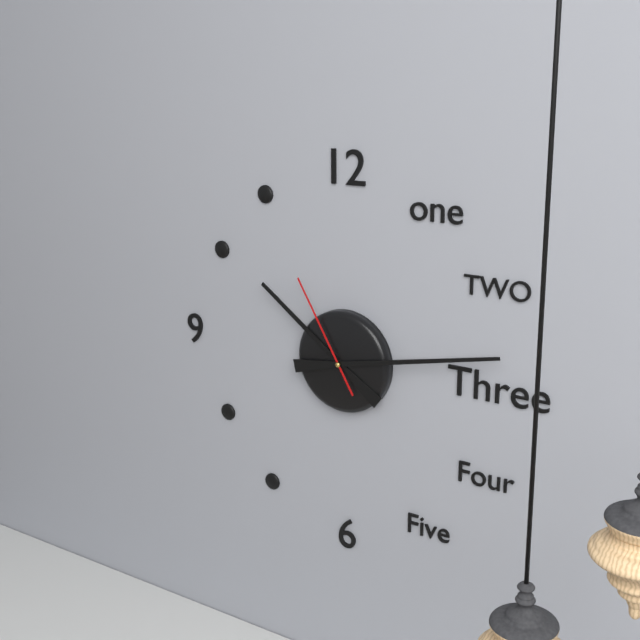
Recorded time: 10:13:55
